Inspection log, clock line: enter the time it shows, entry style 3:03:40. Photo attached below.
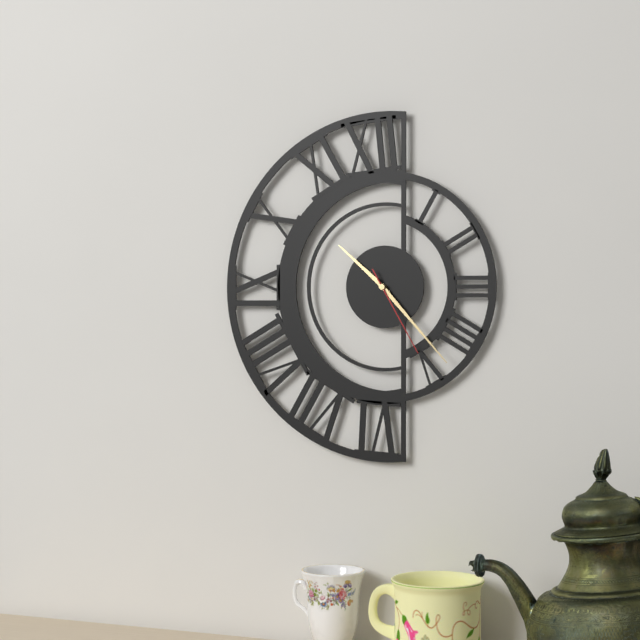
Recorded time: 10:23:25
